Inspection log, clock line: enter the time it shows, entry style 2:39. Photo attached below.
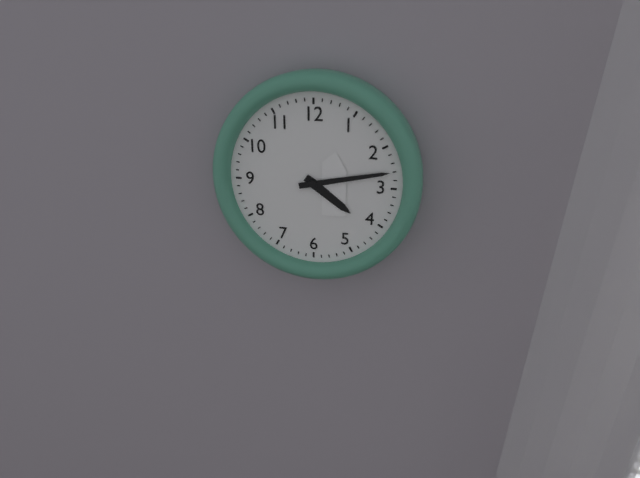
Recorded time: 4:13
